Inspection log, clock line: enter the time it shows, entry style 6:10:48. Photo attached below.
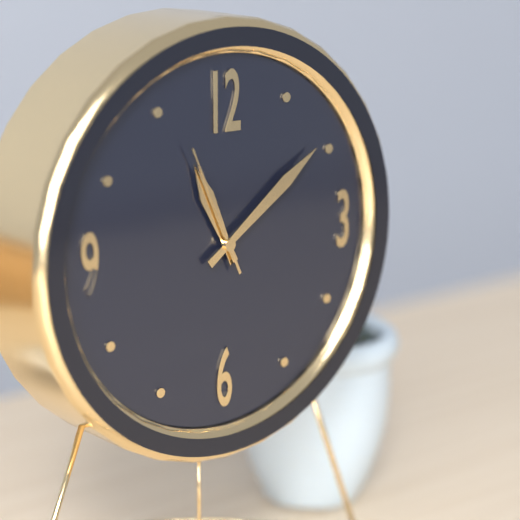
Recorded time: 11:09:56
